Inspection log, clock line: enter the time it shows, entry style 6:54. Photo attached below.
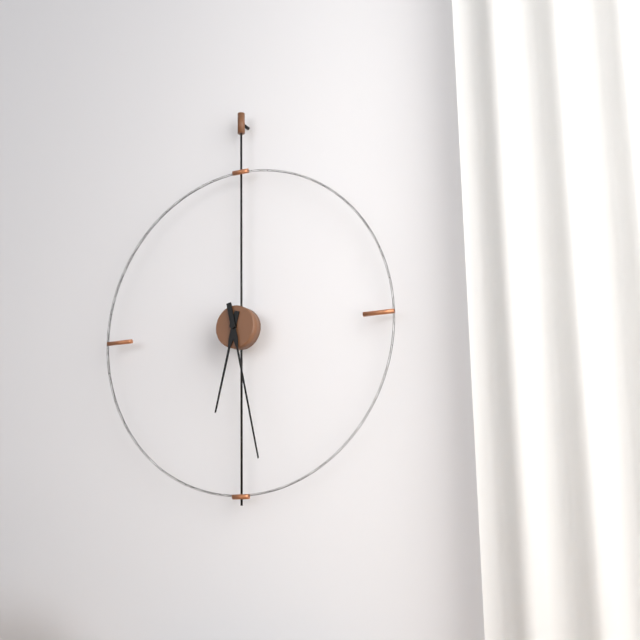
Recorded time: 6:28
